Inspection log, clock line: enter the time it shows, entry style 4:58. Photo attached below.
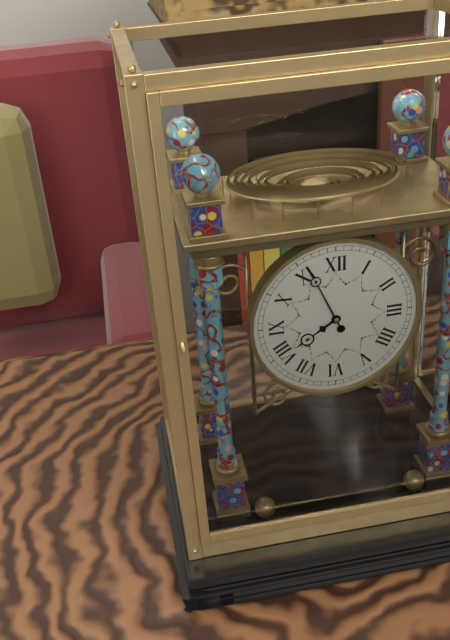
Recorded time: 7:56
